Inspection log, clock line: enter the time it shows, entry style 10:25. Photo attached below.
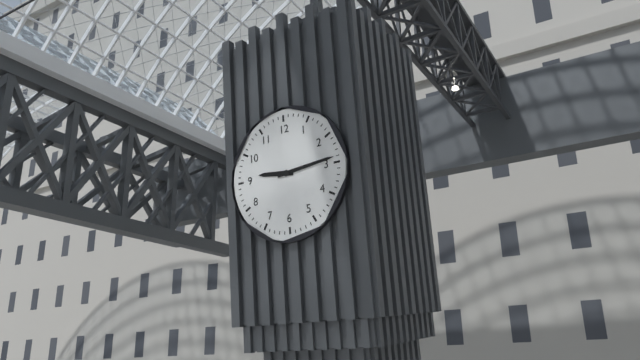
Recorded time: 9:14
